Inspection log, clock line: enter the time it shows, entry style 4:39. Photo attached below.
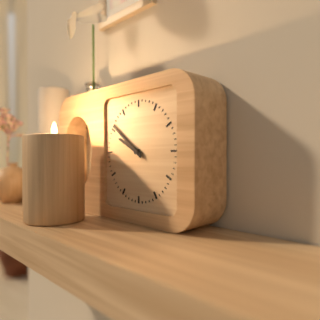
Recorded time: 9:51
